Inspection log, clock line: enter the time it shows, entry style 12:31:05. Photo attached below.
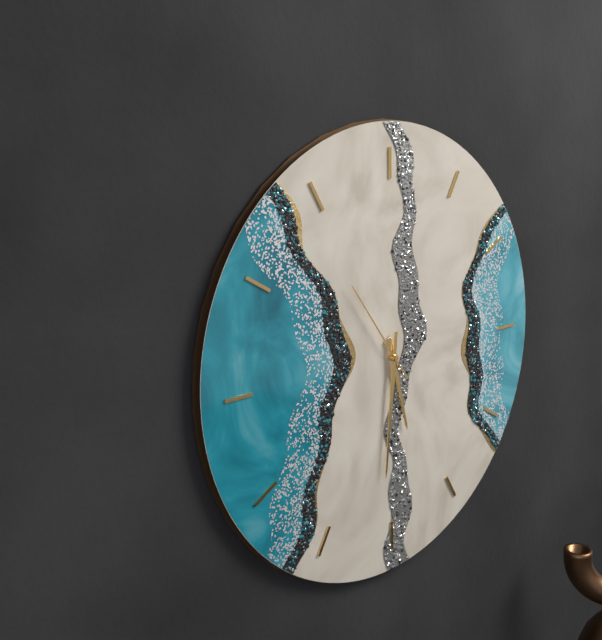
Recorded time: 5:31:54
